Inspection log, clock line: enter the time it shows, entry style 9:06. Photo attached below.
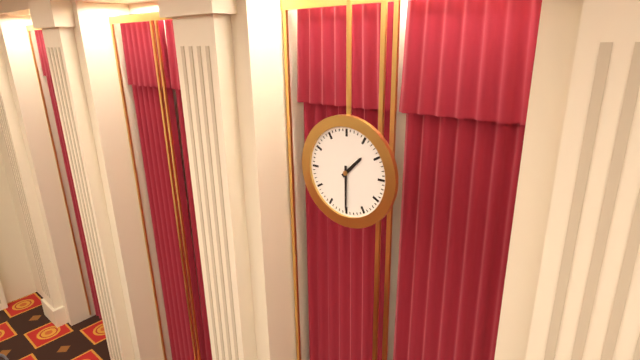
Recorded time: 1:30
